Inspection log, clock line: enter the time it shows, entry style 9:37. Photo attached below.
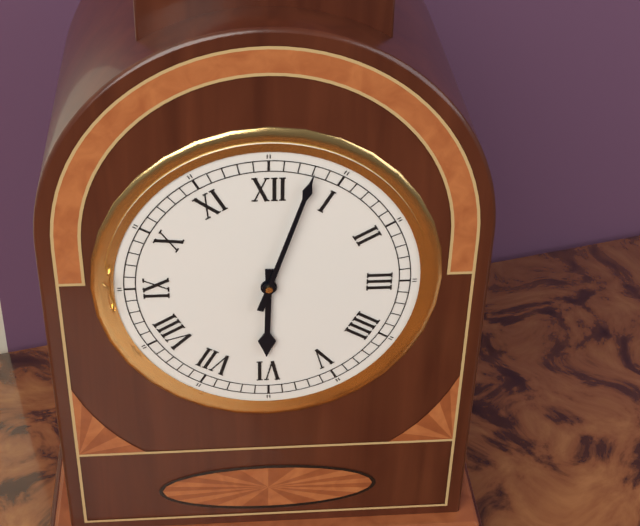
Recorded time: 6:03
